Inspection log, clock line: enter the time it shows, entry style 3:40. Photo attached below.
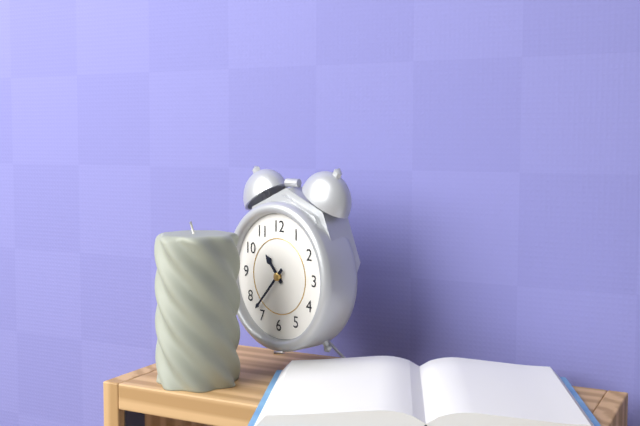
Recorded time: 10:37
